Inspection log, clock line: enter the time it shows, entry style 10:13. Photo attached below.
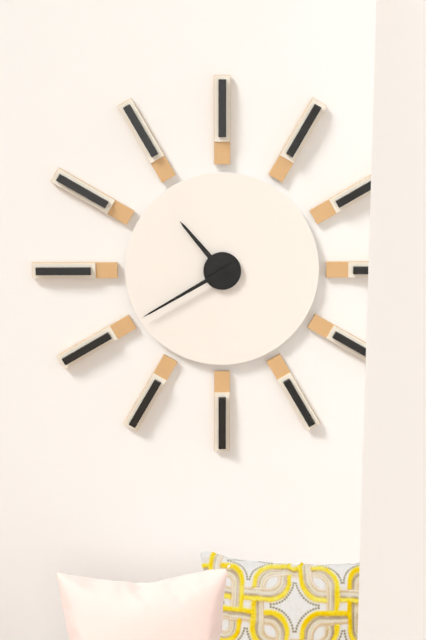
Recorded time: 10:40
